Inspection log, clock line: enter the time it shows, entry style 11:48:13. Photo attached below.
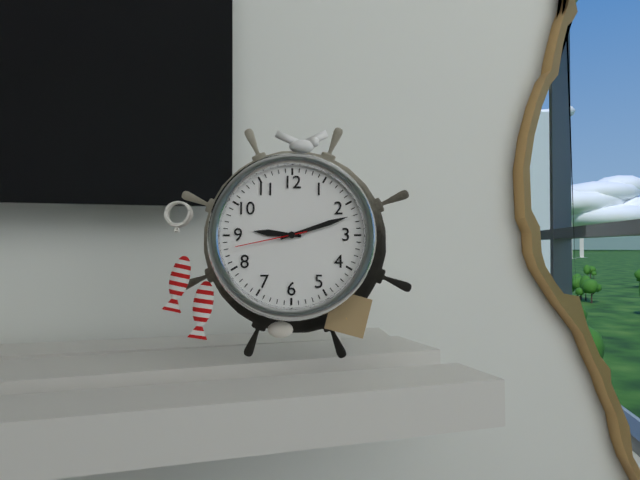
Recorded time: 9:12:43
